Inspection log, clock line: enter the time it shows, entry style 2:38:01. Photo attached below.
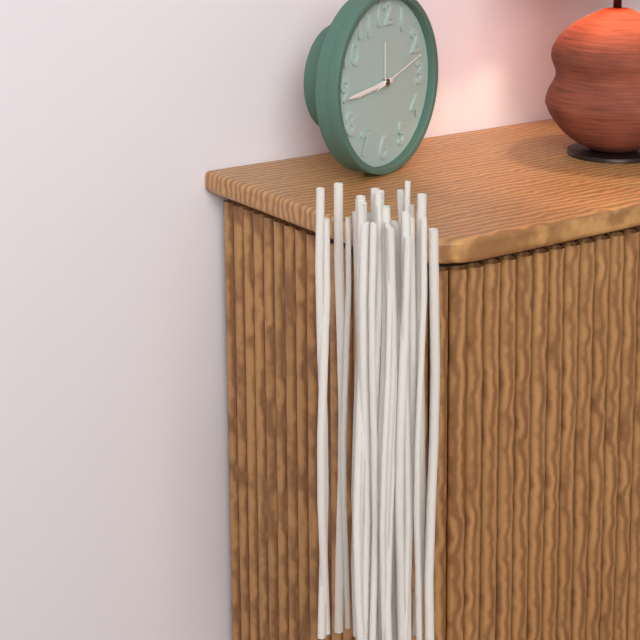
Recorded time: 8:44:12
